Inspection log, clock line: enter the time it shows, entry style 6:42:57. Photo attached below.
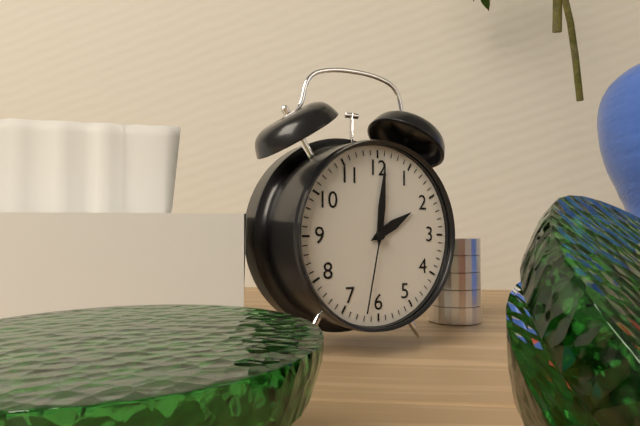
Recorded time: 2:01:32
